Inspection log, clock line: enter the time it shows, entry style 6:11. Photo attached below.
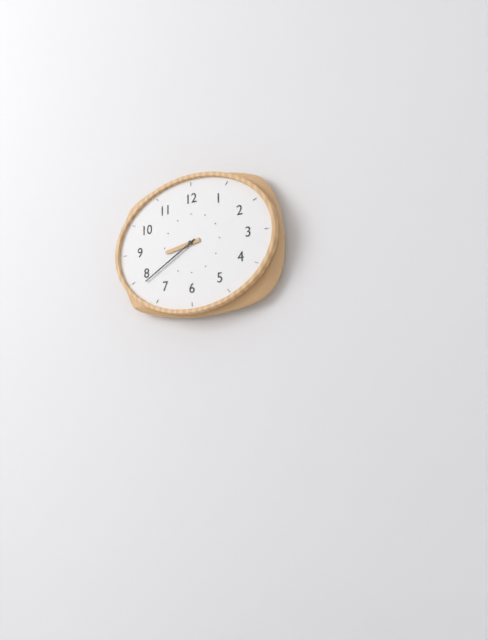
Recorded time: 8:40
